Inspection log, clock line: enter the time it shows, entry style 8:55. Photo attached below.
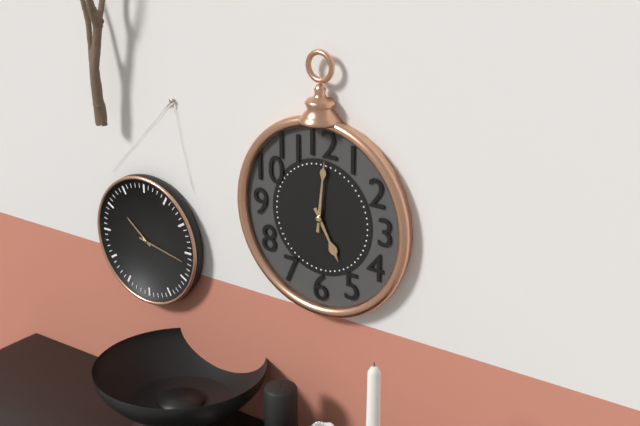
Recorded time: 5:01
